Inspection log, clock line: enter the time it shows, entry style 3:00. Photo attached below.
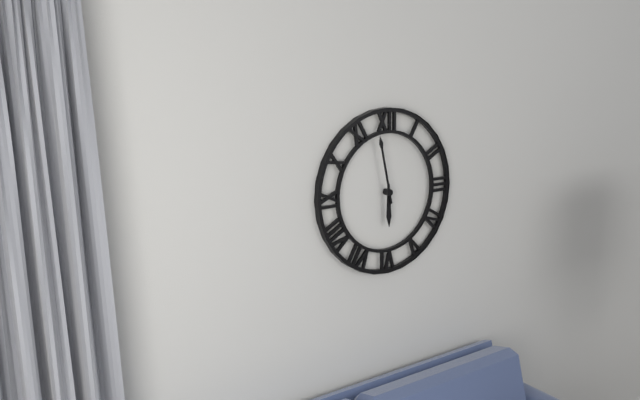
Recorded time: 5:58
